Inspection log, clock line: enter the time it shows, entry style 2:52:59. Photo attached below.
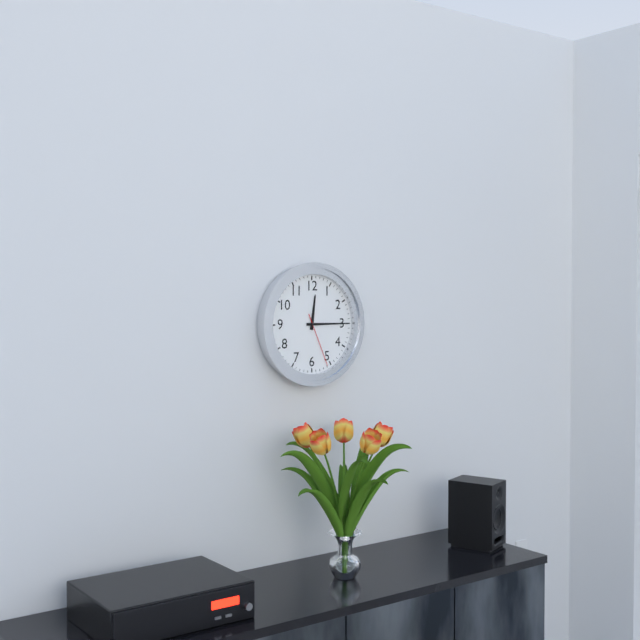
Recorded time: 12:15:26
